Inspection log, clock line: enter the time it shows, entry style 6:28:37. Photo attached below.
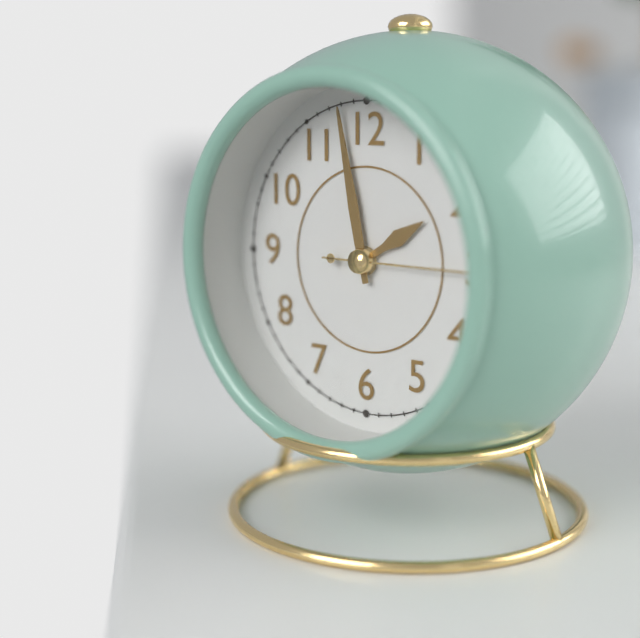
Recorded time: 1:58:15
